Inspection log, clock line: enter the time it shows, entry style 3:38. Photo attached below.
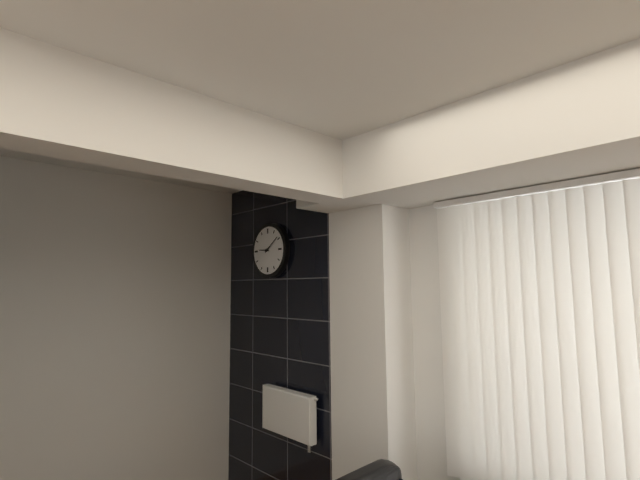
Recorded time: 9:09
